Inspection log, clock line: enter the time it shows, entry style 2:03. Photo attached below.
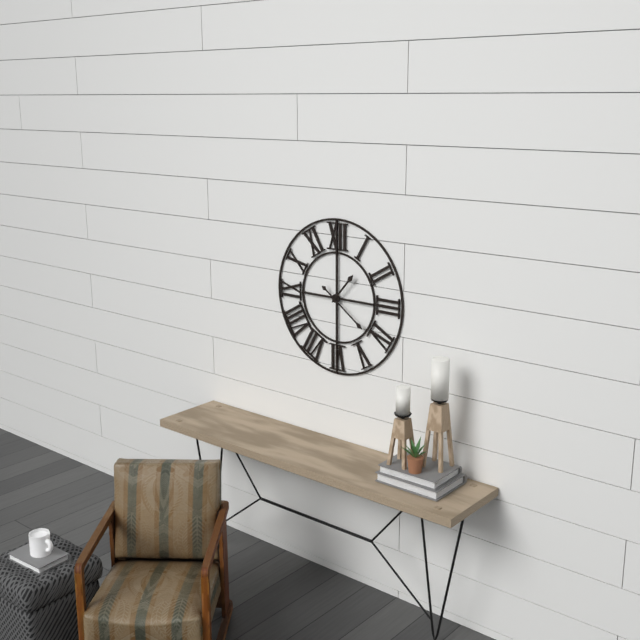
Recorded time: 1:21
